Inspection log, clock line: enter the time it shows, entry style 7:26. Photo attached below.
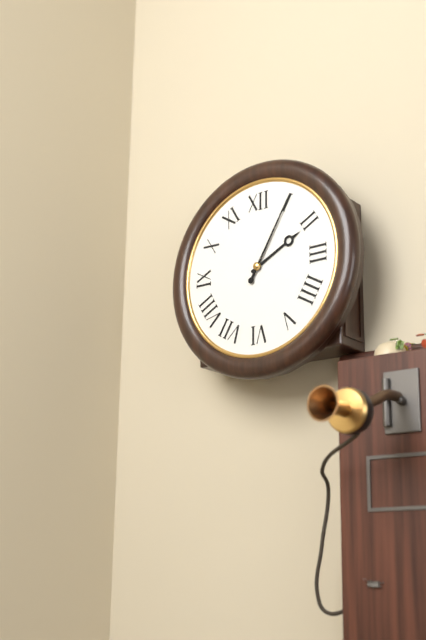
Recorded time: 2:05
